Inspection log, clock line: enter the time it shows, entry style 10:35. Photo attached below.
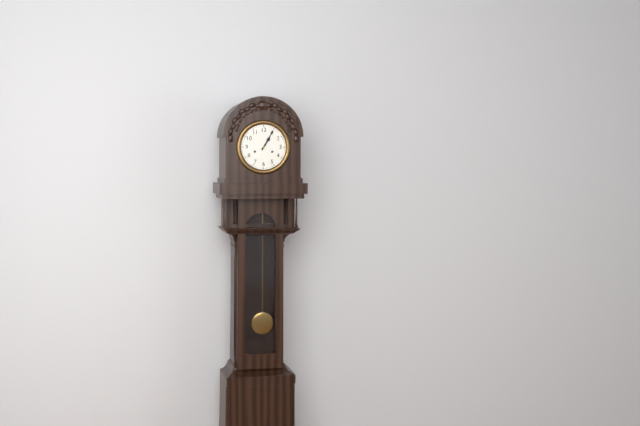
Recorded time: 1:05
